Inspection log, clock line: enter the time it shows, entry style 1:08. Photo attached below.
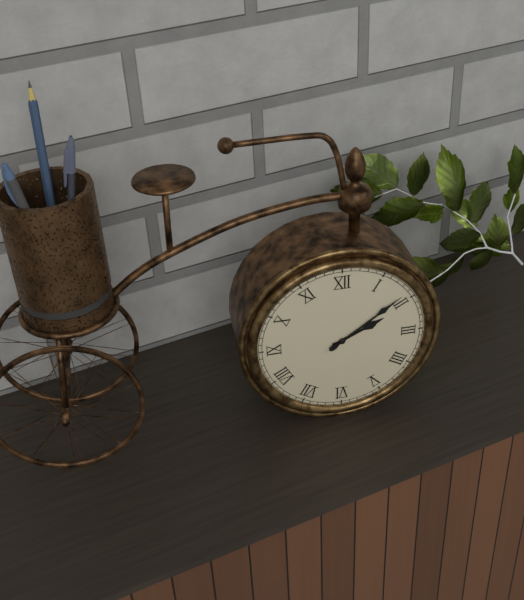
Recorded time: 2:09
